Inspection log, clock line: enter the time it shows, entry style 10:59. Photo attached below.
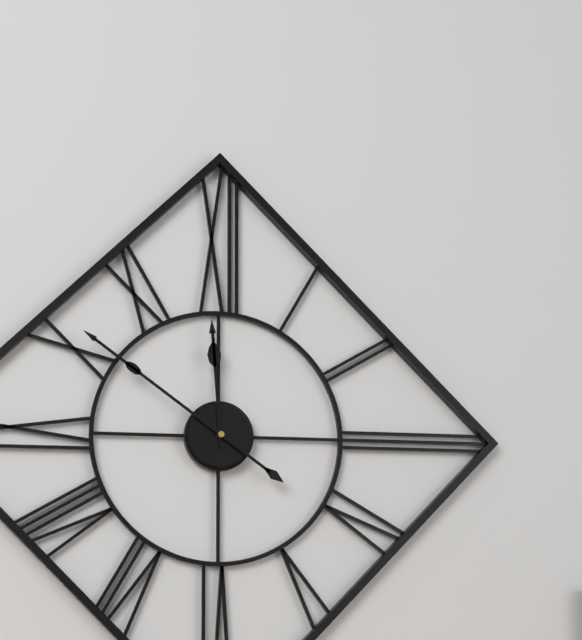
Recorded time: 11:51
